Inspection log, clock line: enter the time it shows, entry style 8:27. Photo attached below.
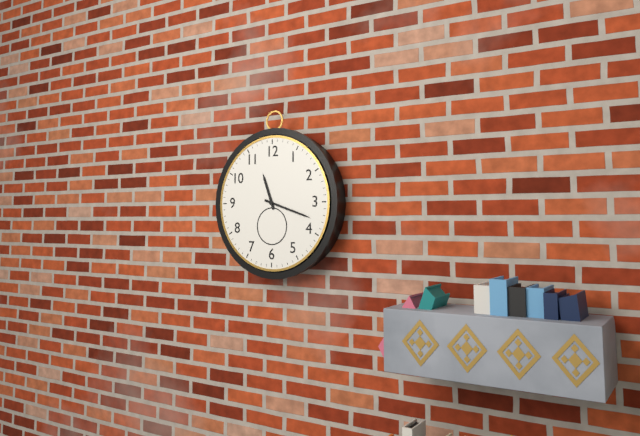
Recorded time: 11:18
